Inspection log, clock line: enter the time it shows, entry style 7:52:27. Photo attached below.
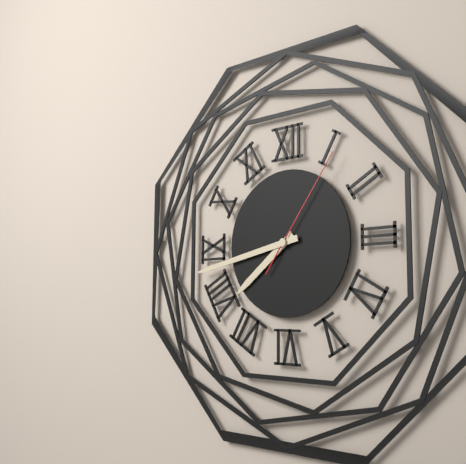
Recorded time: 7:43:06
